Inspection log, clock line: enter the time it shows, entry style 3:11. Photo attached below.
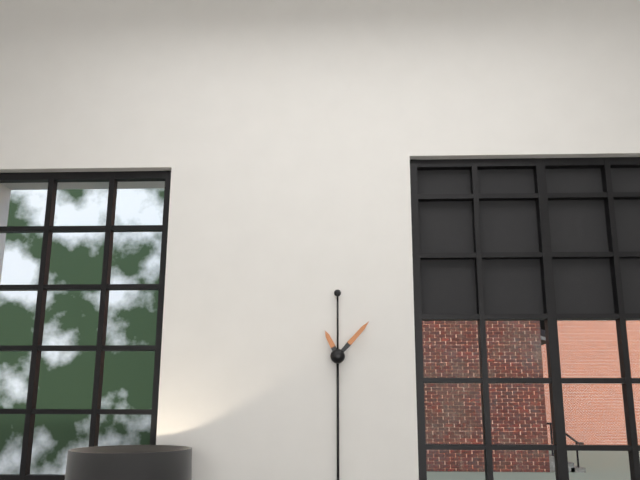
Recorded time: 11:07
